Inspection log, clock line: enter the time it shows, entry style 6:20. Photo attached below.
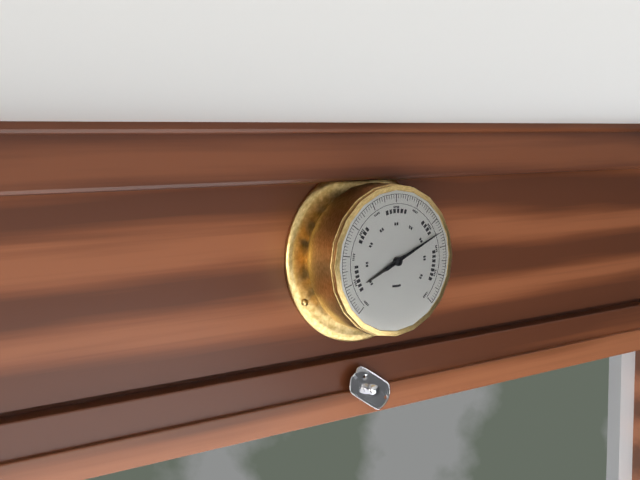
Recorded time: 8:11
